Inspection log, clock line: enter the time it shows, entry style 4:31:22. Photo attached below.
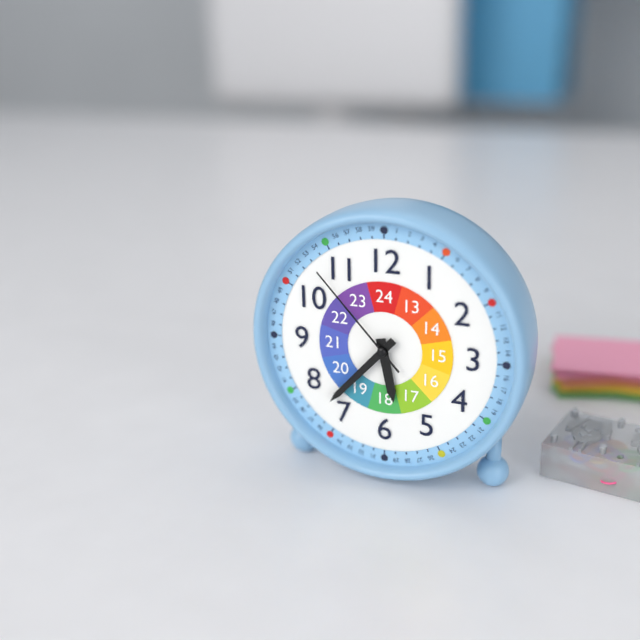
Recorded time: 5:37:53
